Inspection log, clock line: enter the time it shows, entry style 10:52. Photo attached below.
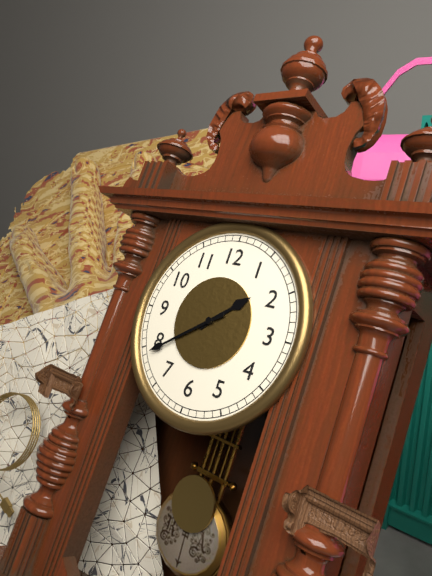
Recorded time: 1:39
